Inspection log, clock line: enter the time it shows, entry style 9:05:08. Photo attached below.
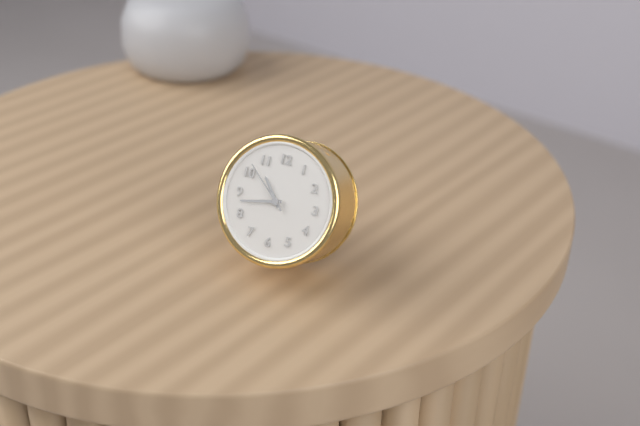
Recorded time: 10:43:52
